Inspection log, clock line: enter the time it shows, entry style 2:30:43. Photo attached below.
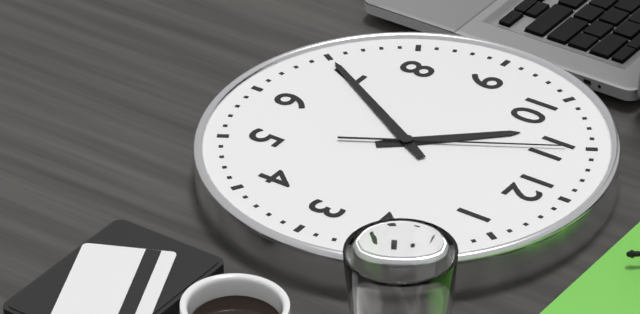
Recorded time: 10:35:55
